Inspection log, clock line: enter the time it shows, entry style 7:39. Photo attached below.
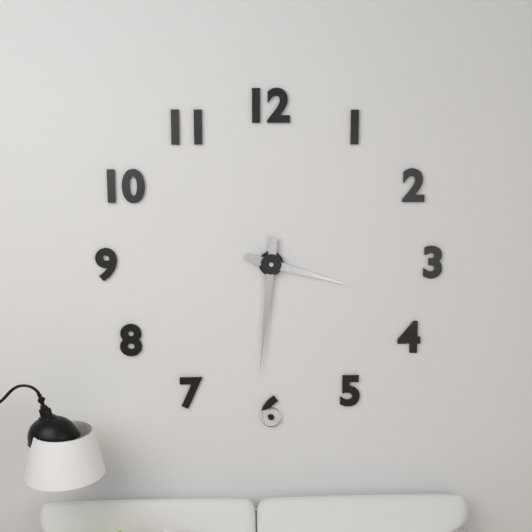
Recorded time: 3:31
